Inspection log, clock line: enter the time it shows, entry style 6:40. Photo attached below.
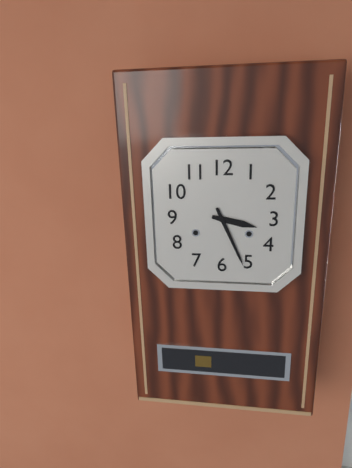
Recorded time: 3:26
